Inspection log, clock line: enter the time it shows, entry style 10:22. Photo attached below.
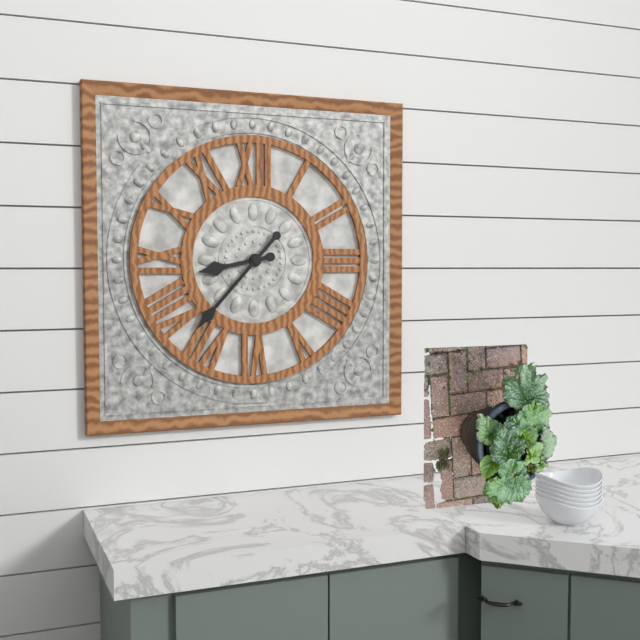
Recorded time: 8:37
